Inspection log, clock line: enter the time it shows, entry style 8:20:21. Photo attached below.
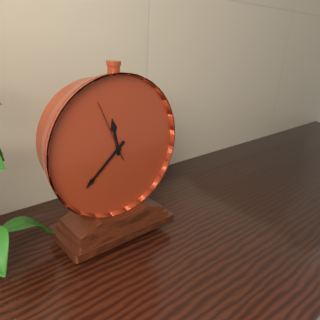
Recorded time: 11:38:56
